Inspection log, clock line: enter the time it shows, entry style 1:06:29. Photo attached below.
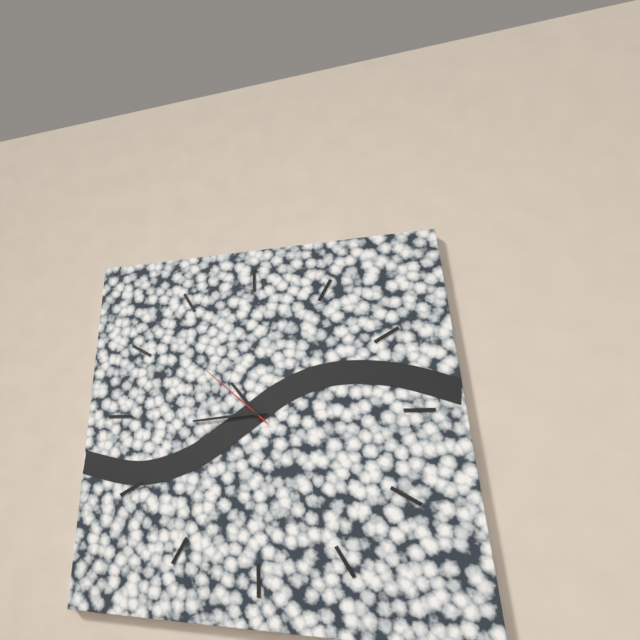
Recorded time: 10:44:52
